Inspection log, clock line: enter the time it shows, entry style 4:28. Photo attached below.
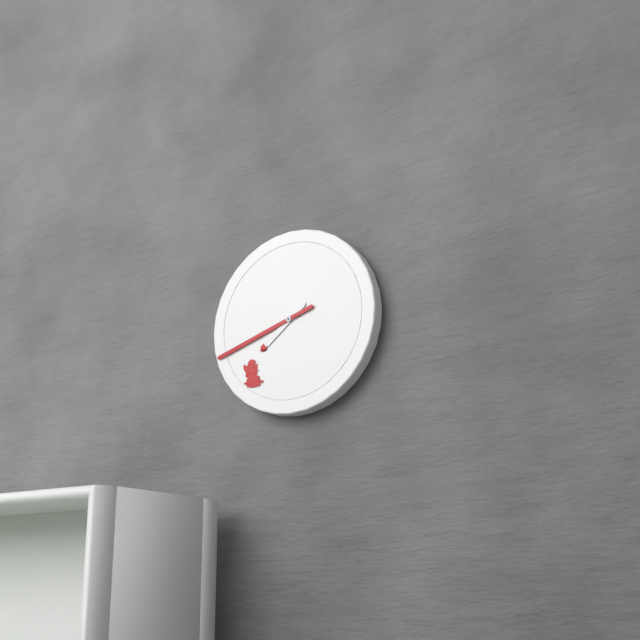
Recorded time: 7:42
